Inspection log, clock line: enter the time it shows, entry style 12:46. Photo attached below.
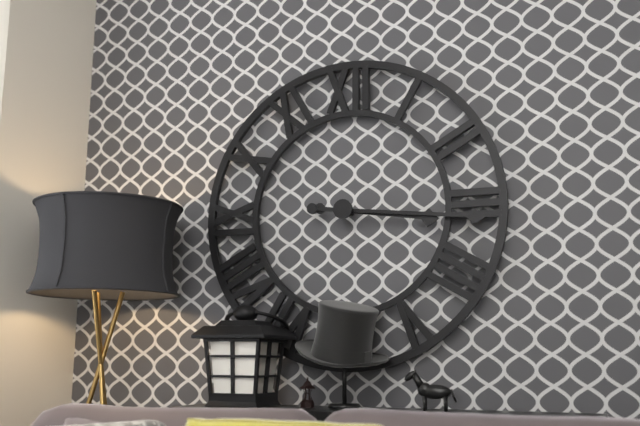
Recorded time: 3:16
